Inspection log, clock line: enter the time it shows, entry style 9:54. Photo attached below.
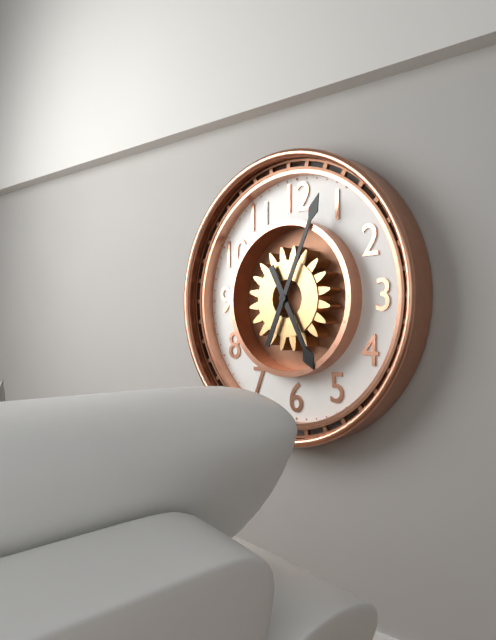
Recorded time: 5:04
